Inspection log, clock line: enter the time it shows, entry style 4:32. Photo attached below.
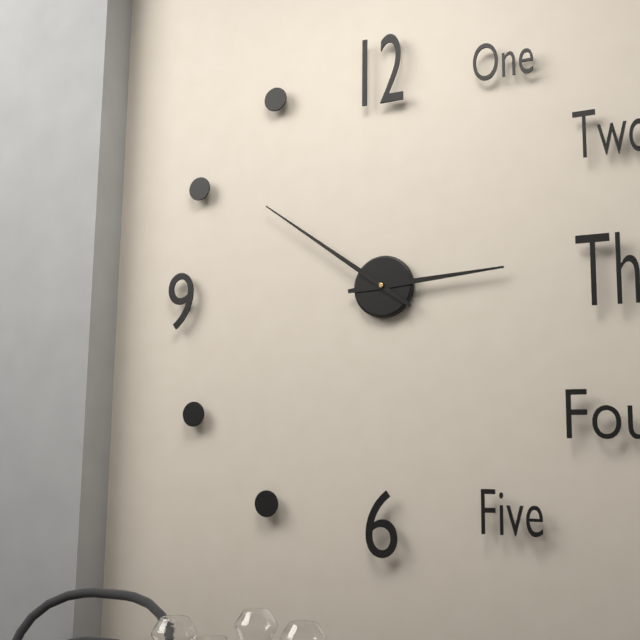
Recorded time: 2:51
